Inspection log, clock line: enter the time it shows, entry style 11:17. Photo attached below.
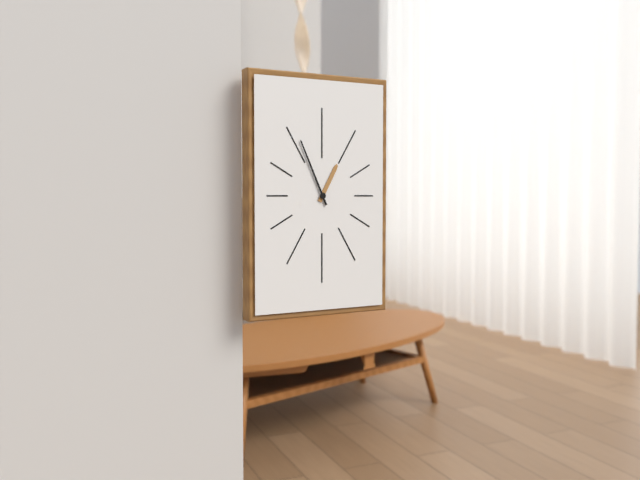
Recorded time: 12:56
